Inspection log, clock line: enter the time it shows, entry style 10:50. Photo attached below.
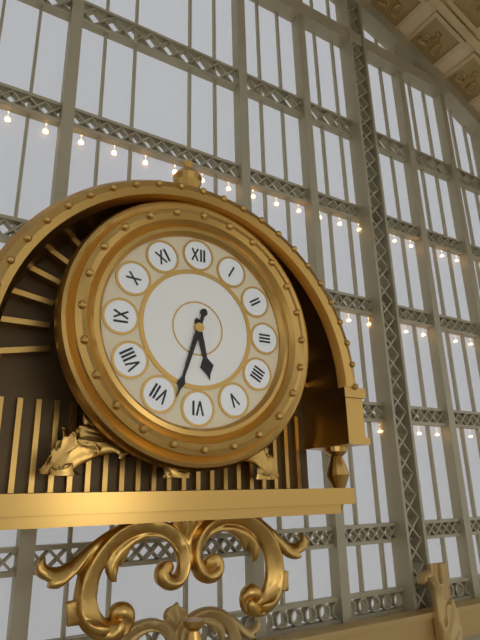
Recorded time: 5:33
